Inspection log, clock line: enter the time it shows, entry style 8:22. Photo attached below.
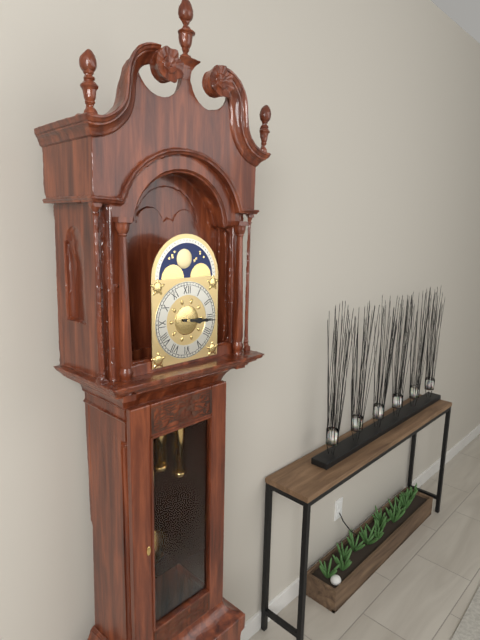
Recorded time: 3:16
